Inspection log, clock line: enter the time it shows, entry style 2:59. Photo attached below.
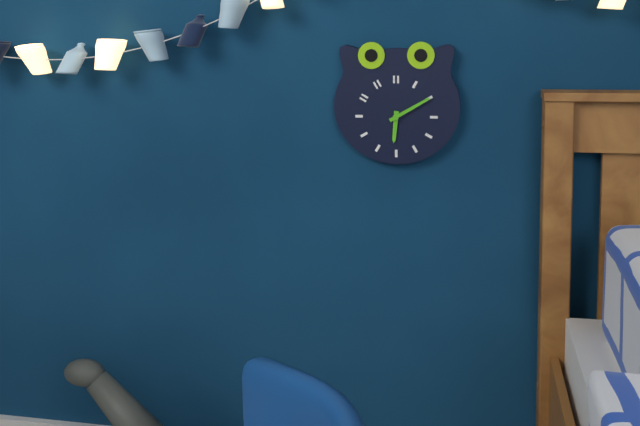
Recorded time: 6:10
